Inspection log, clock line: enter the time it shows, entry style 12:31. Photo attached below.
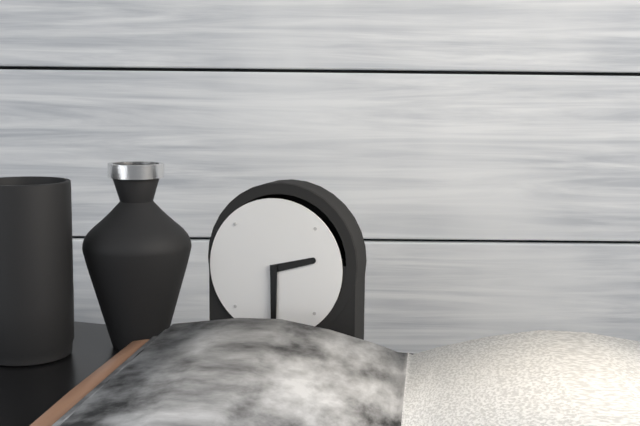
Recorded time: 2:30
